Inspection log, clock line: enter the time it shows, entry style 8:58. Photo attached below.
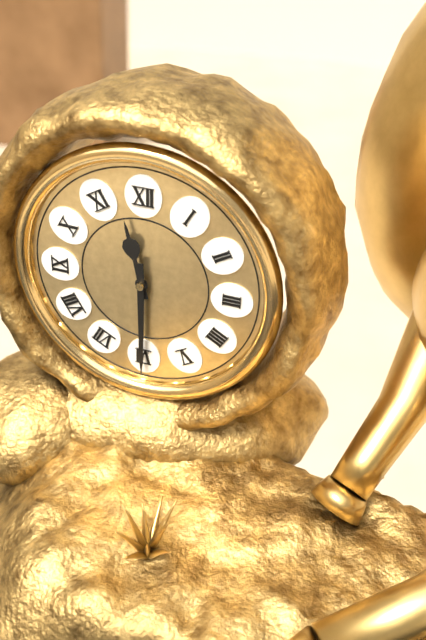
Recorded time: 11:30
